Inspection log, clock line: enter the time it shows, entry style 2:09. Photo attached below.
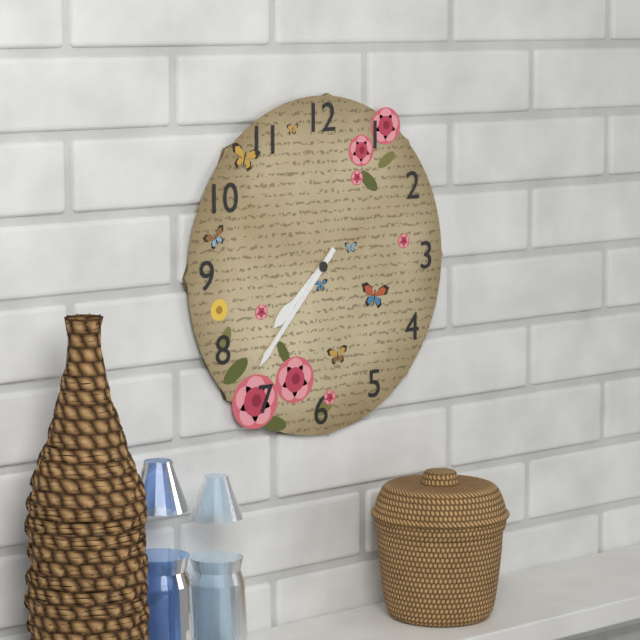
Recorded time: 7:37
